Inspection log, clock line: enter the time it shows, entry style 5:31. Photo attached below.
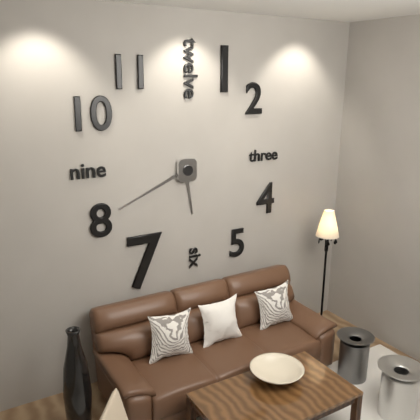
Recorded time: 5:41
